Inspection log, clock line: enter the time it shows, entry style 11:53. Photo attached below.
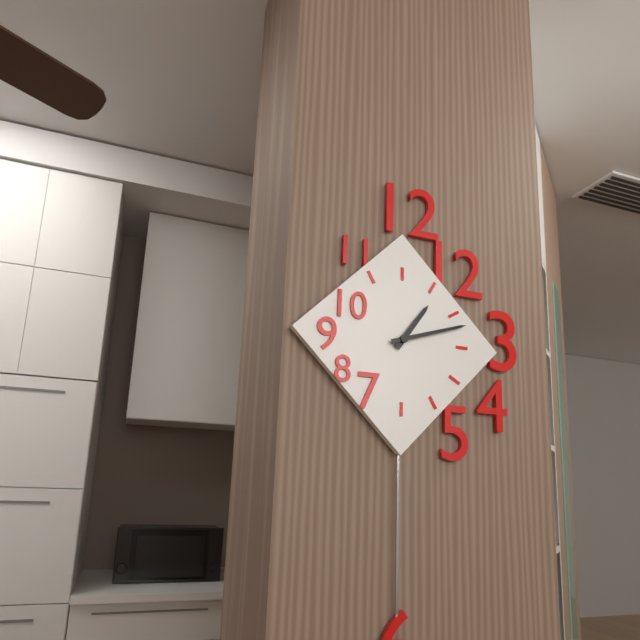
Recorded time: 1:12
